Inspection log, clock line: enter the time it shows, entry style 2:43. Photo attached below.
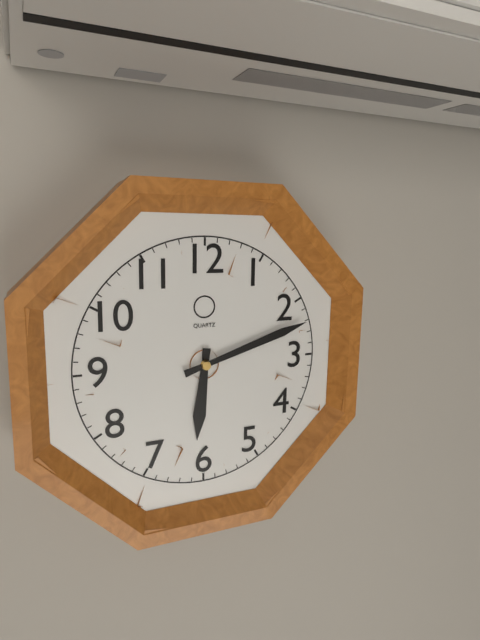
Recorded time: 6:12
